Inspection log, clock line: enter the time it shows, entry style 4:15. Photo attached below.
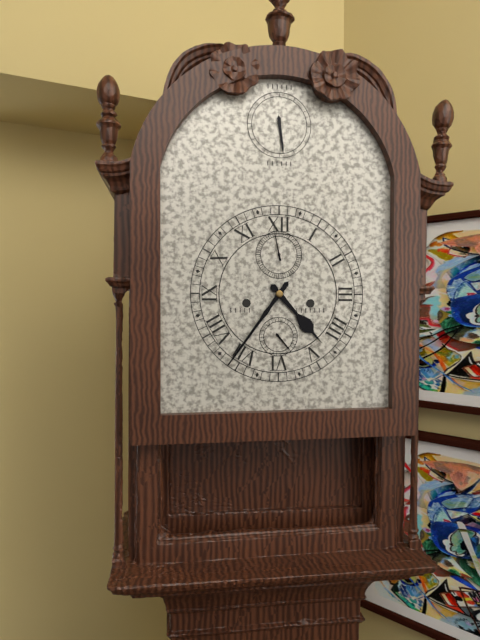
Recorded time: 4:36
